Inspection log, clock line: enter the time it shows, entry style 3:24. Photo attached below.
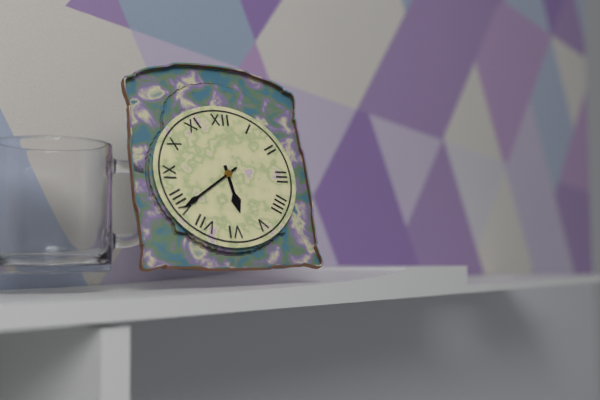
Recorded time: 5:39
